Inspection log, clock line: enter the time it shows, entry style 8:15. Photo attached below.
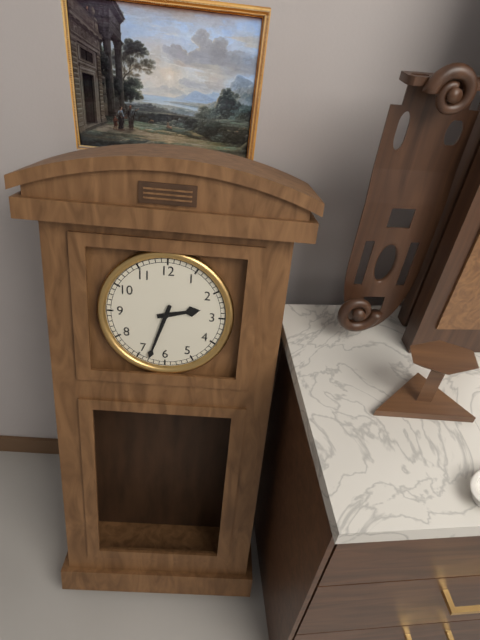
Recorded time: 2:33
